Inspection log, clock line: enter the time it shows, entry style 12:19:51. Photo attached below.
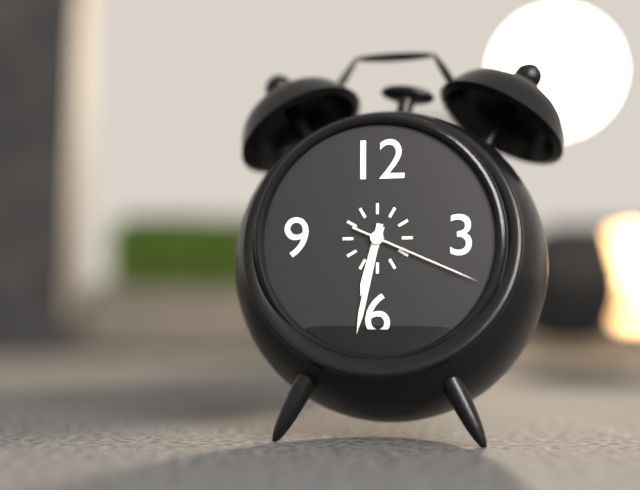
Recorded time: 6:32:19
